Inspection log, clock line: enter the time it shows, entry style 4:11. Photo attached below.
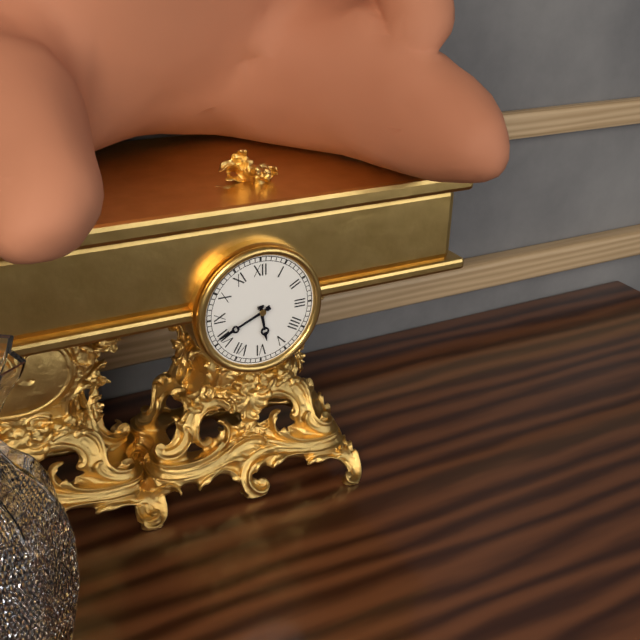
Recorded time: 5:41
